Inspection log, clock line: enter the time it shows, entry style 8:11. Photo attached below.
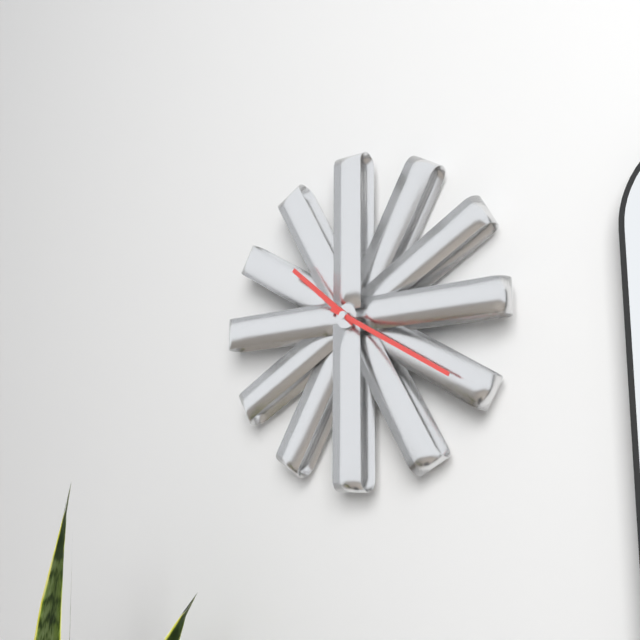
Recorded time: 10:20
